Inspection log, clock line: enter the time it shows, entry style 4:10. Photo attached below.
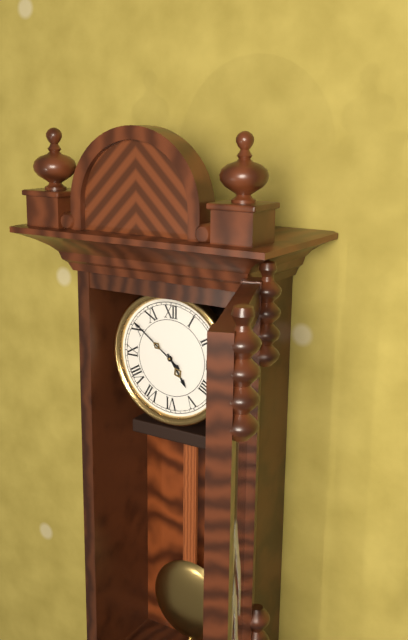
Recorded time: 4:51
